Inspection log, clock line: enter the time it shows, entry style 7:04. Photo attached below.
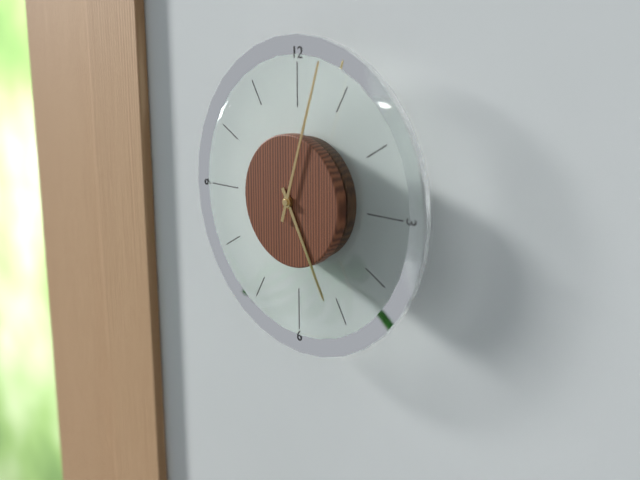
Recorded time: 5:03
